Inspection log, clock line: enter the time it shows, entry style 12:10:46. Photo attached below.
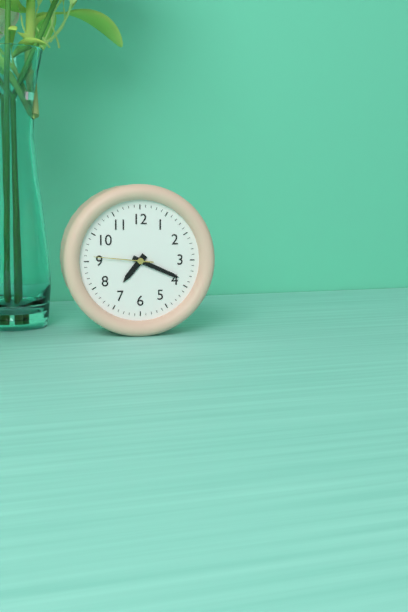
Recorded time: 7:19:46
